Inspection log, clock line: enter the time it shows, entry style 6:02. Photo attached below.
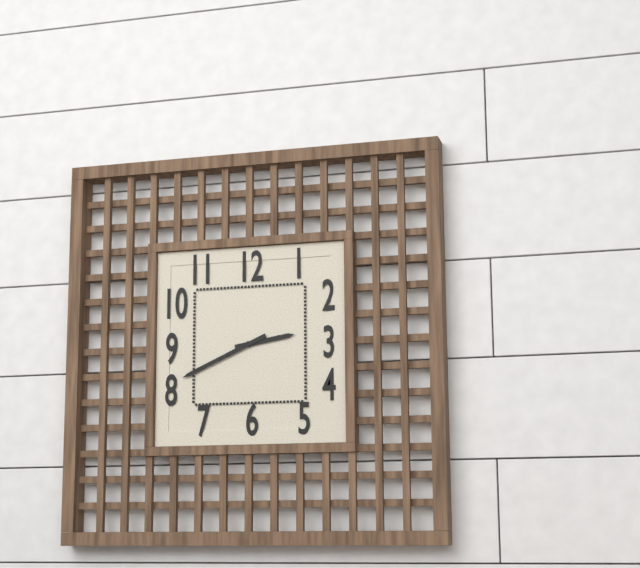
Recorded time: 2:41
